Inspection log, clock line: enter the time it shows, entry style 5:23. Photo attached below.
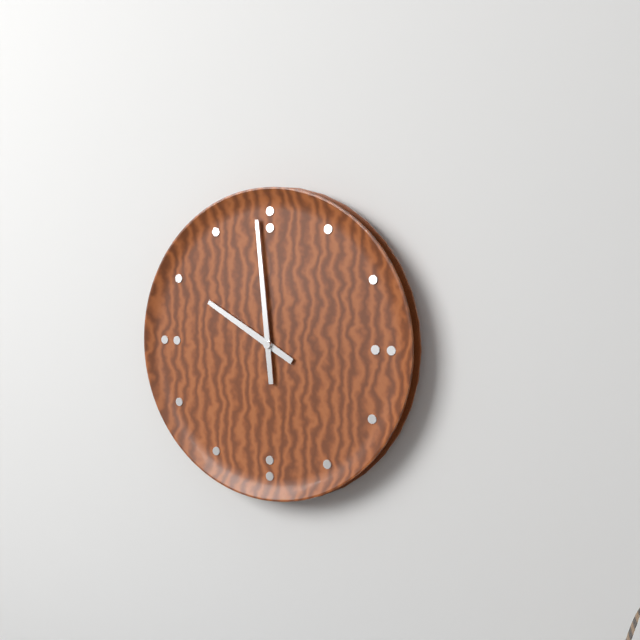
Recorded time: 9:59
